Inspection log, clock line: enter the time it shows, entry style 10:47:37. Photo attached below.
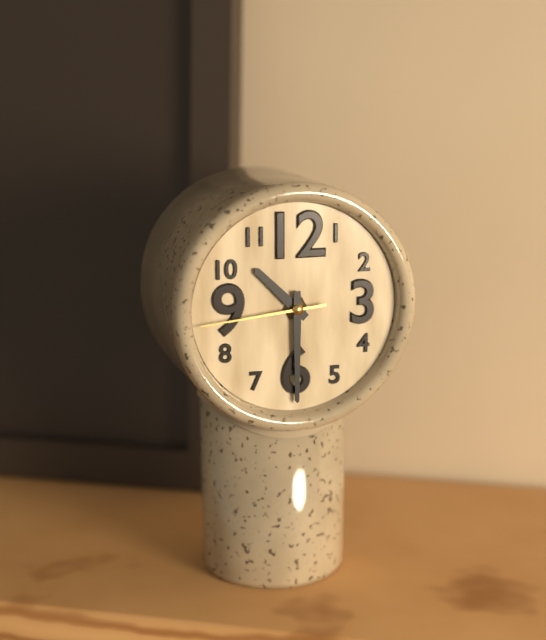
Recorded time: 10:30:44
